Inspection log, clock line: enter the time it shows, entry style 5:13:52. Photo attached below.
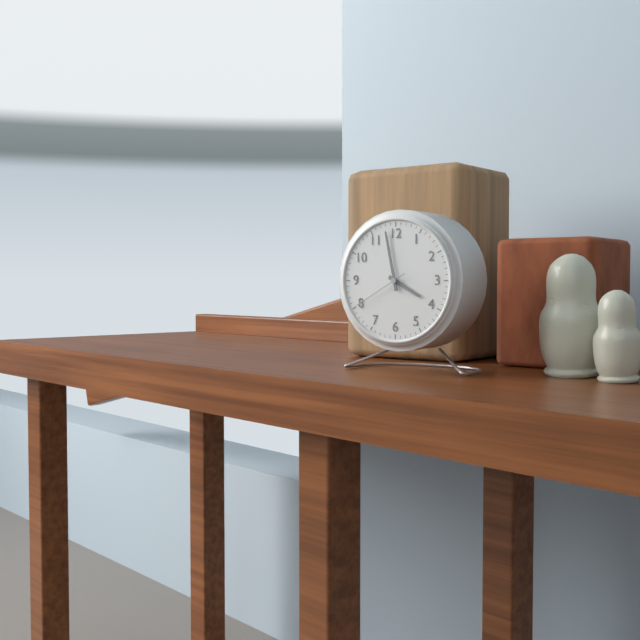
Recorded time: 3:58:40
